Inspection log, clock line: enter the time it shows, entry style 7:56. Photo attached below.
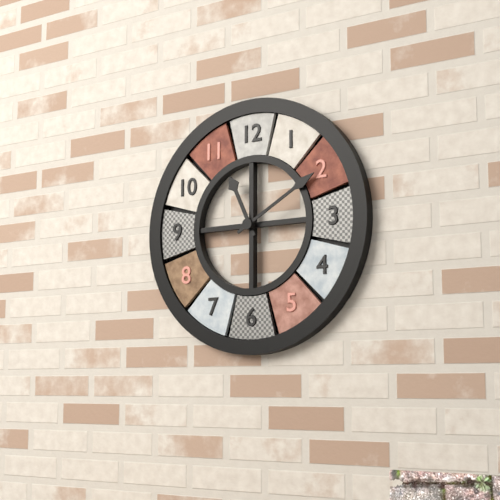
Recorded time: 11:10
